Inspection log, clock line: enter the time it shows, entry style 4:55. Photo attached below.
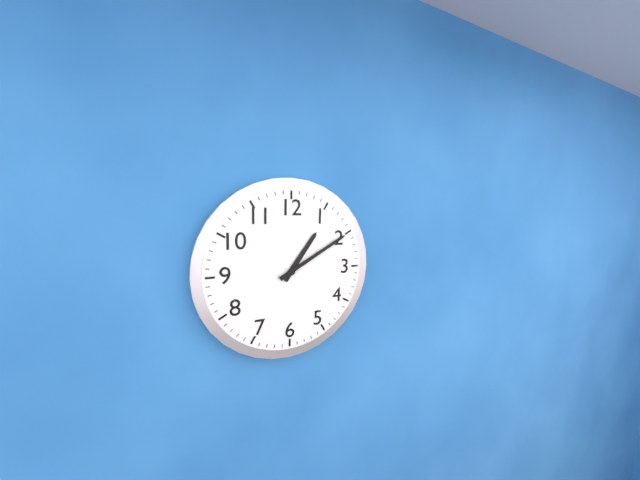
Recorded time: 1:10
